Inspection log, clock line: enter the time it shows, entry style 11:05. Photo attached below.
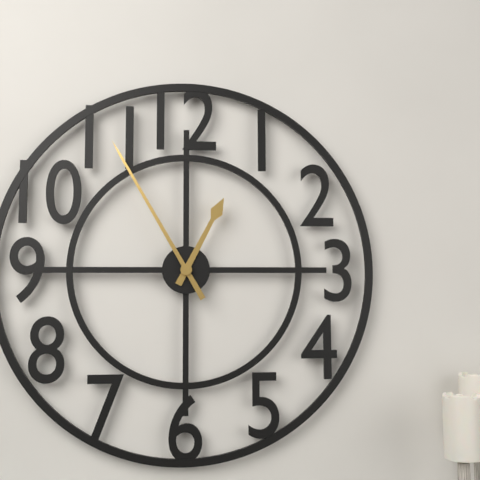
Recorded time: 12:55
